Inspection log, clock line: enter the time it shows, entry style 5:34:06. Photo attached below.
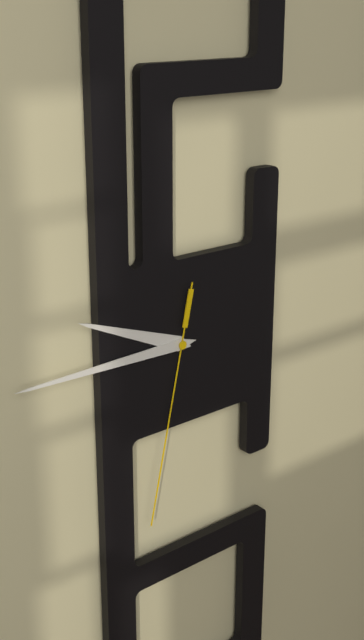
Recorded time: 9:45:32
